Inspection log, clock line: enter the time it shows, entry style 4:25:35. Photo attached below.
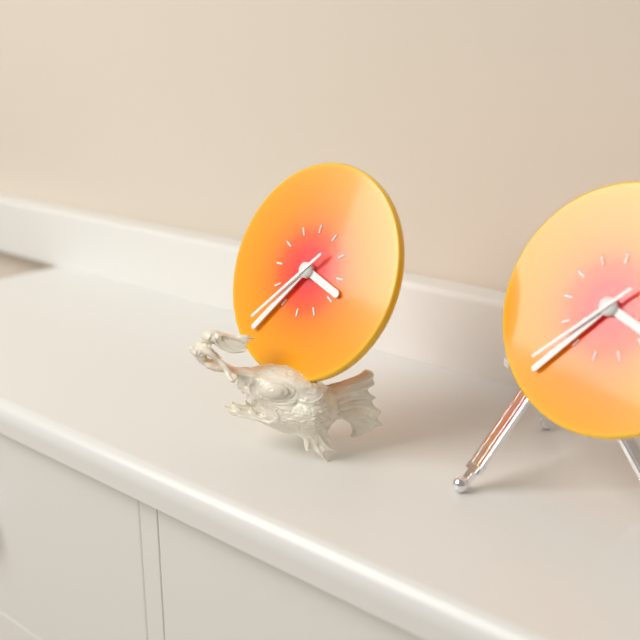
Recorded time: 3:36:37
